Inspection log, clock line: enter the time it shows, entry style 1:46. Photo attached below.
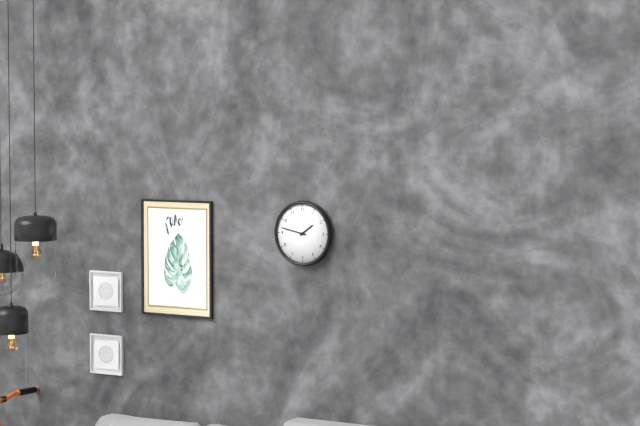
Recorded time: 1:47
